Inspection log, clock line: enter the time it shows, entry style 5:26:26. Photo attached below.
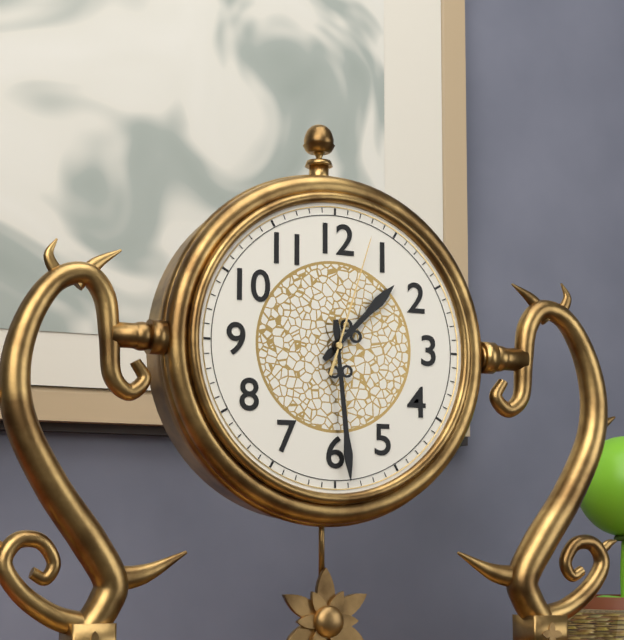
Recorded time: 1:29:03
